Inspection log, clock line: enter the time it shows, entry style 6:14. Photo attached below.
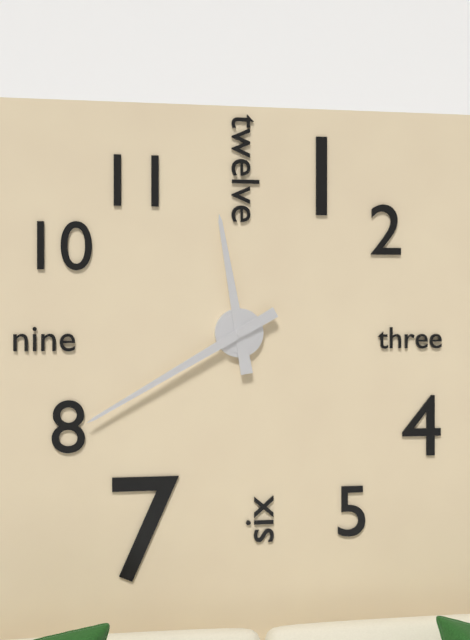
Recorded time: 11:40
